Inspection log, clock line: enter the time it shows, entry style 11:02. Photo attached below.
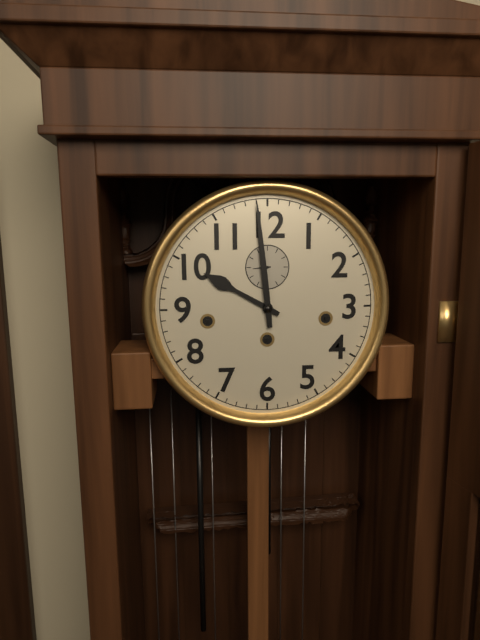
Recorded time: 9:59
